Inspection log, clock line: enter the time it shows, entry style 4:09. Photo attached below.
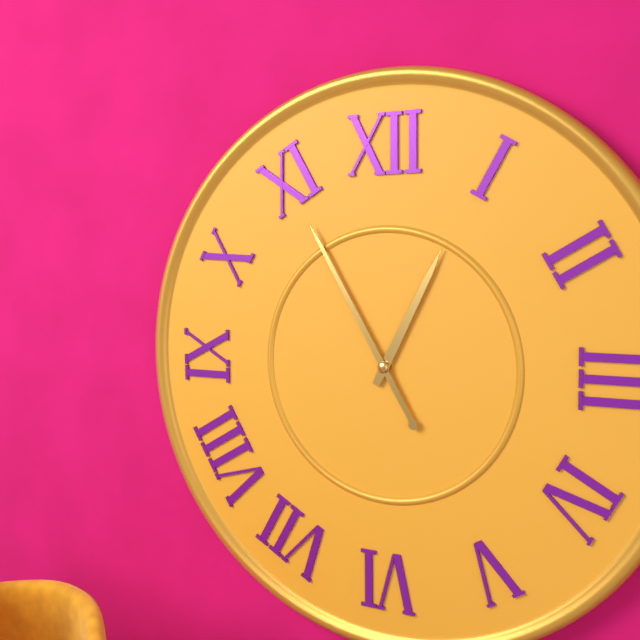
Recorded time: 12:55
